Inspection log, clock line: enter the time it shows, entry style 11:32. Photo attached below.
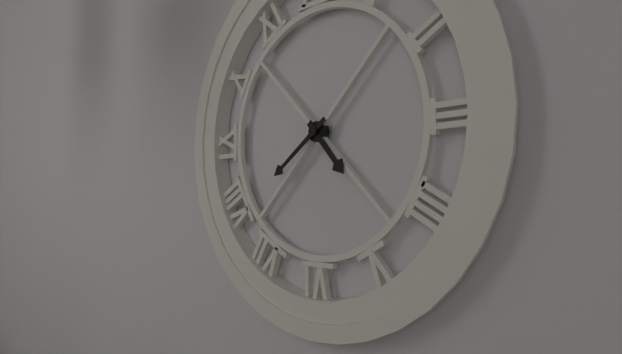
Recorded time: 4:39
